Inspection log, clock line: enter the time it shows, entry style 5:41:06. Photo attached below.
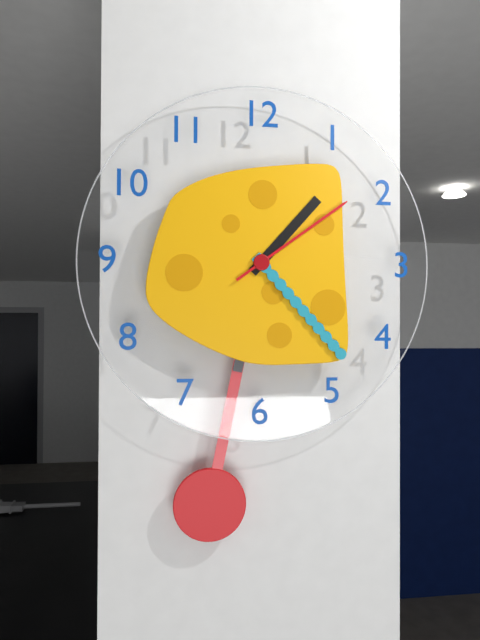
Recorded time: 1:23:09
